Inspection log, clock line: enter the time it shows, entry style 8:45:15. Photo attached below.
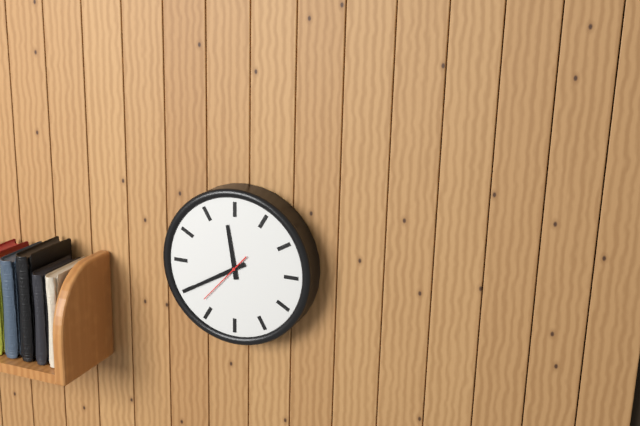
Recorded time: 11:40:37
